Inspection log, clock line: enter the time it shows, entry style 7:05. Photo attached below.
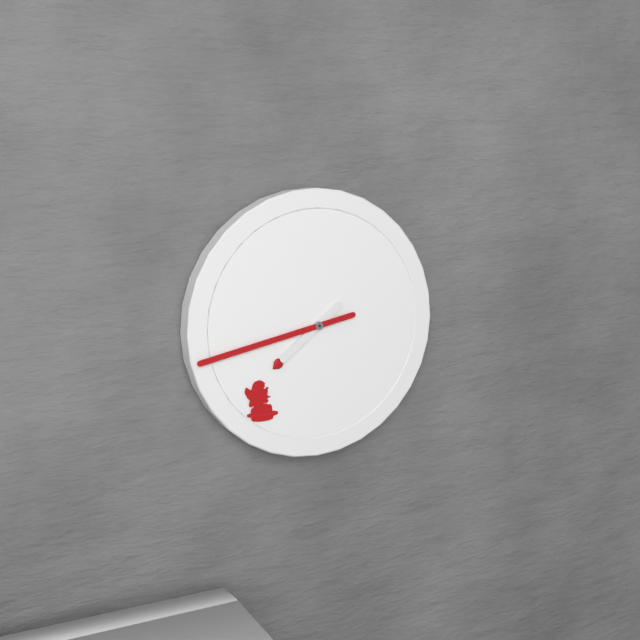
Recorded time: 7:43
